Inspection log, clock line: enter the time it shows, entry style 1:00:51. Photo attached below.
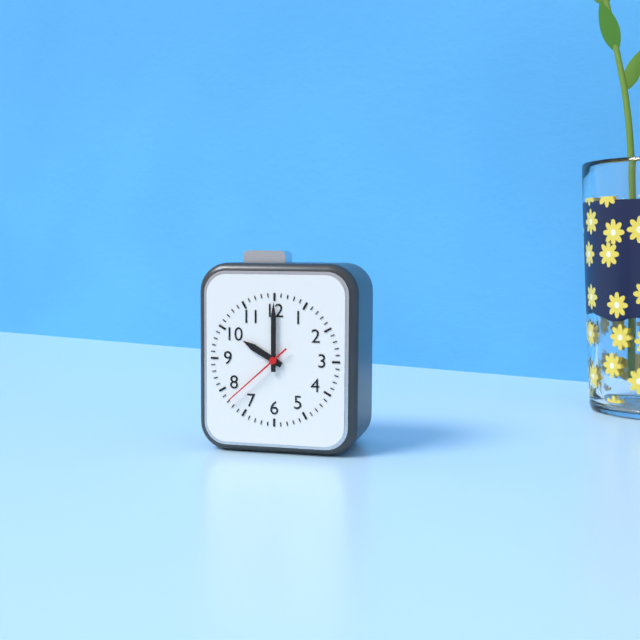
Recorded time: 10:00:38
